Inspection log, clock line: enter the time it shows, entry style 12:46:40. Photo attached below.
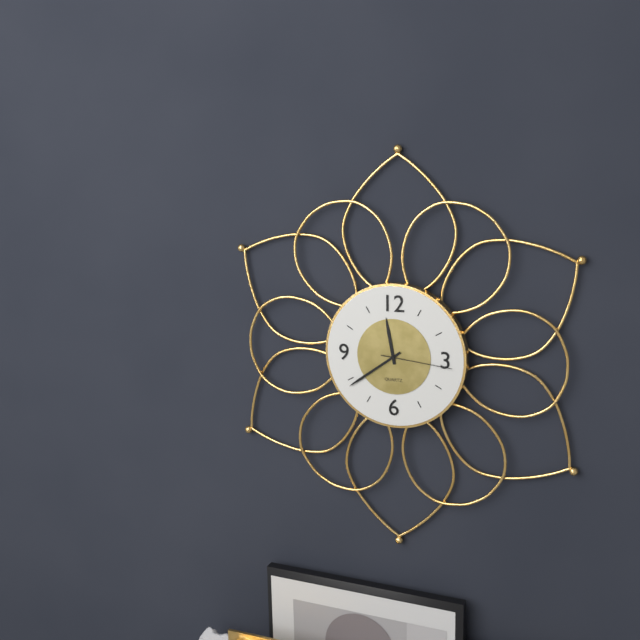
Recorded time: 11:39:16
